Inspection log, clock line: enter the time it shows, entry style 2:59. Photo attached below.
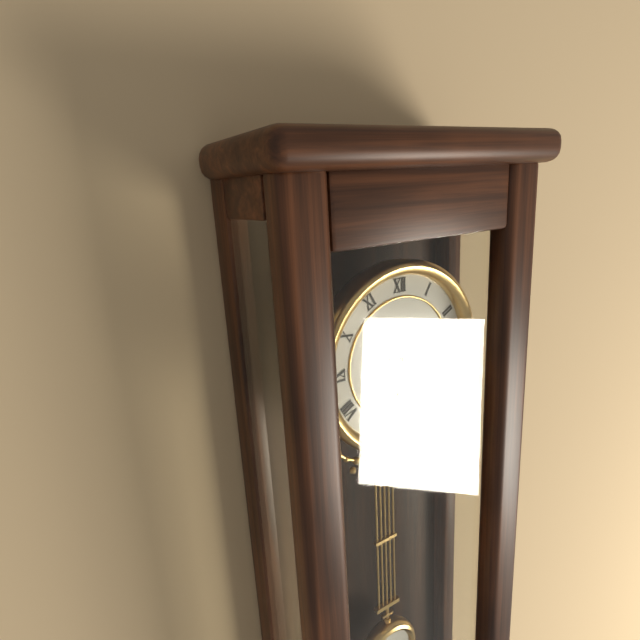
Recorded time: 3:31
